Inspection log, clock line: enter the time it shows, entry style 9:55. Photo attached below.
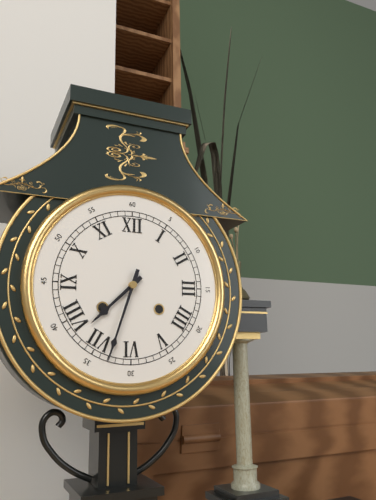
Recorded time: 7:33
